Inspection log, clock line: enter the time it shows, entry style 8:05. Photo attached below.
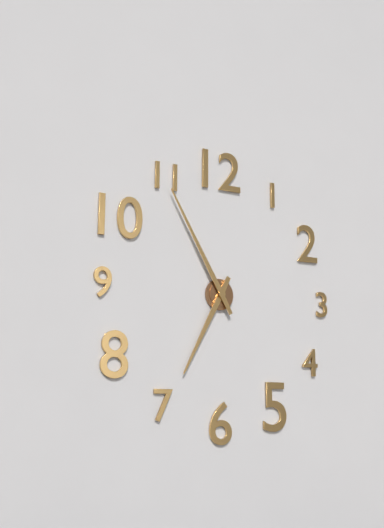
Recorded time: 6:55
